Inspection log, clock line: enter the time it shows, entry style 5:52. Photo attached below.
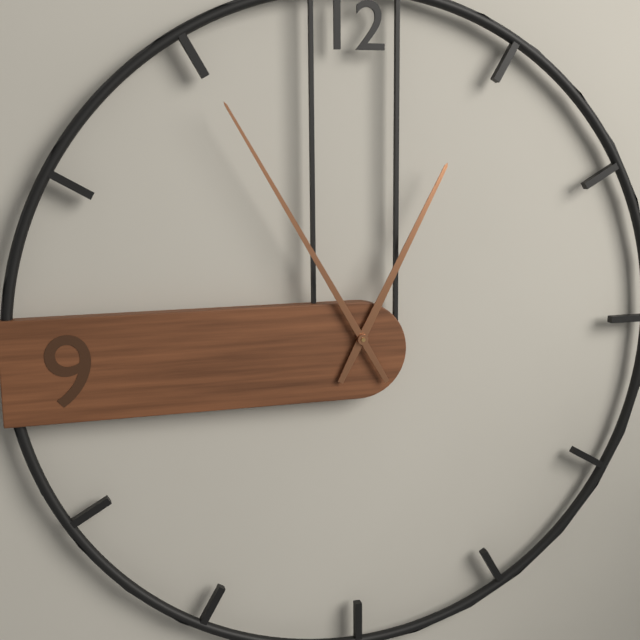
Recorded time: 12:55
